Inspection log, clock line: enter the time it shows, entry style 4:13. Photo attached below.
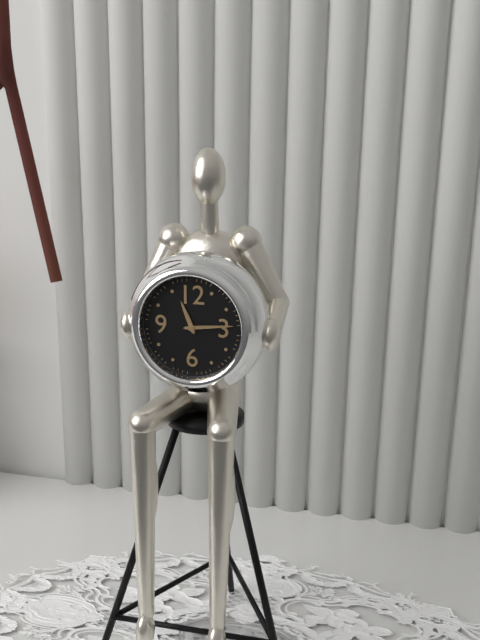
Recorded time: 11:14
